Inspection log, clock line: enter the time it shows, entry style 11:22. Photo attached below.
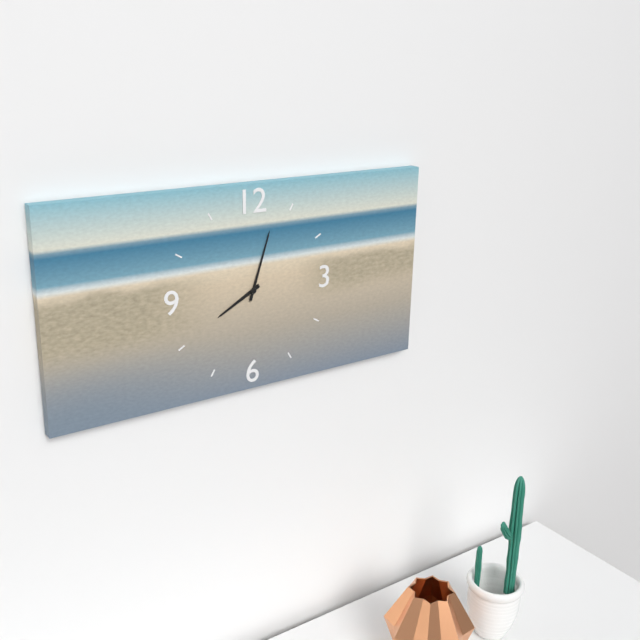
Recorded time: 8:03
